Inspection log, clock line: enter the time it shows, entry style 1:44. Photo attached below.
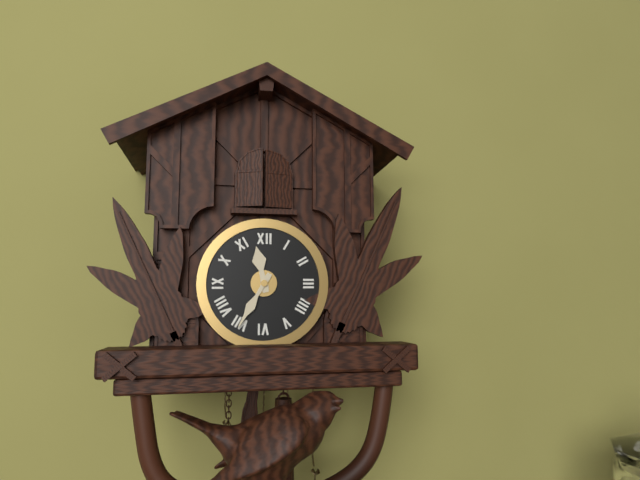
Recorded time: 11:35
